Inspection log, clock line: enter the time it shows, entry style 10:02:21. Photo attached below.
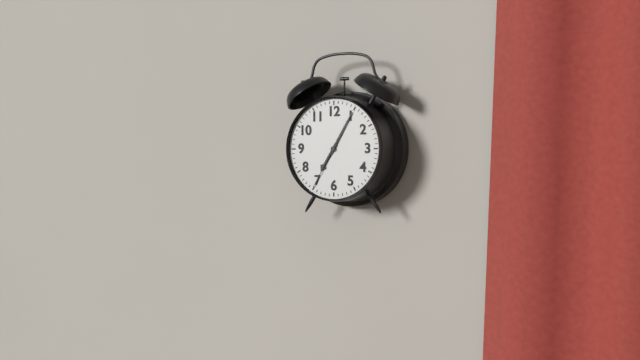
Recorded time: 7:05:35
